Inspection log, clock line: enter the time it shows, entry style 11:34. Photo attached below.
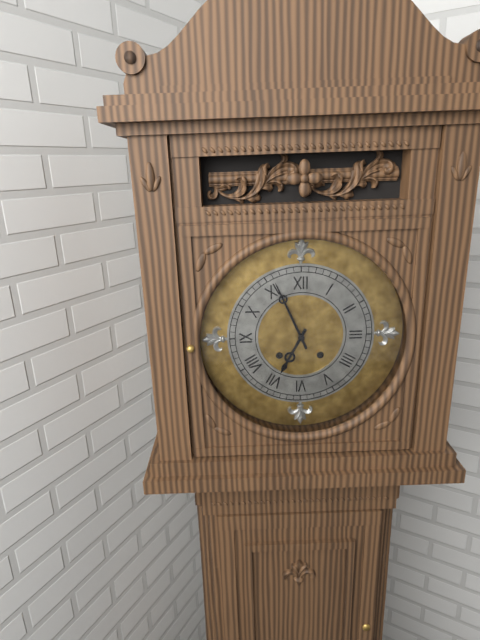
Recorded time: 6:56
